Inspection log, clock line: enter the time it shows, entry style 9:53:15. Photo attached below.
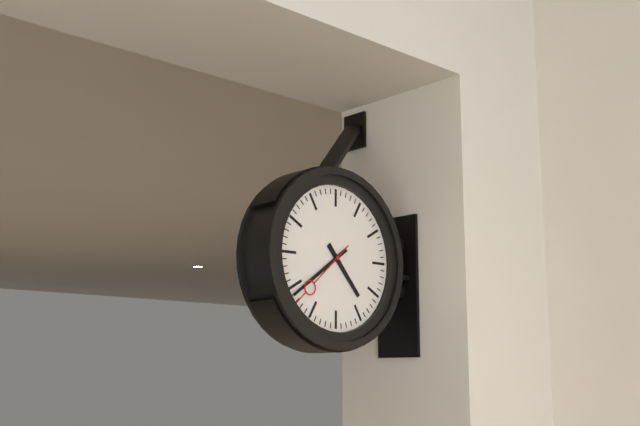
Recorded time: 4:39:38
